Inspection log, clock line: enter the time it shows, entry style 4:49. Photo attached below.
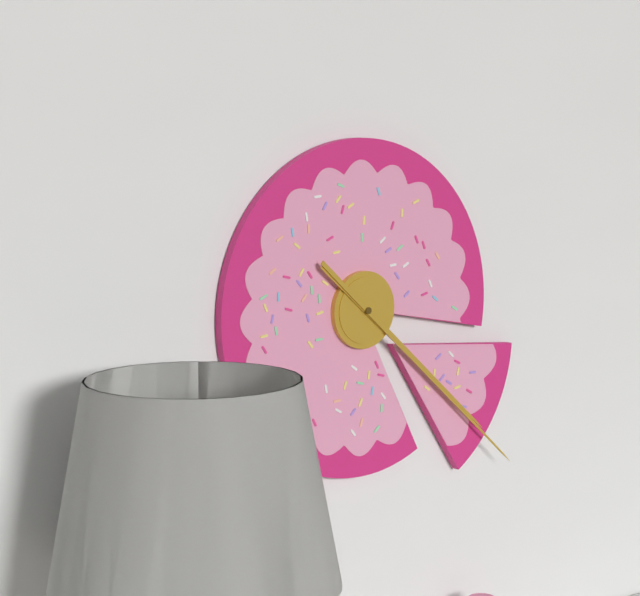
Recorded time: 4:22
